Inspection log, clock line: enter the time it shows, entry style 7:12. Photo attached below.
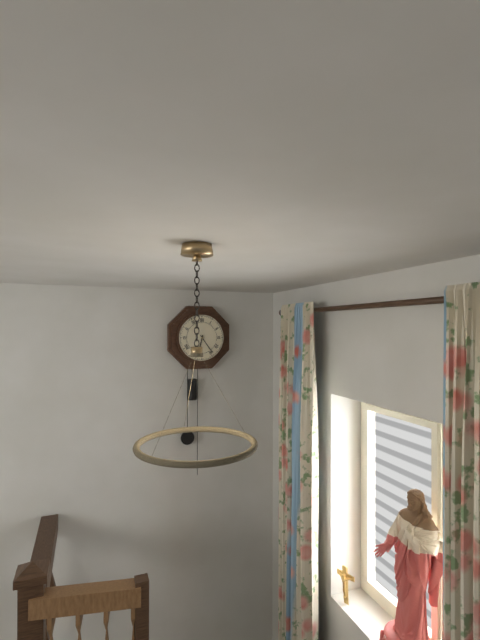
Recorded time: 6:24
